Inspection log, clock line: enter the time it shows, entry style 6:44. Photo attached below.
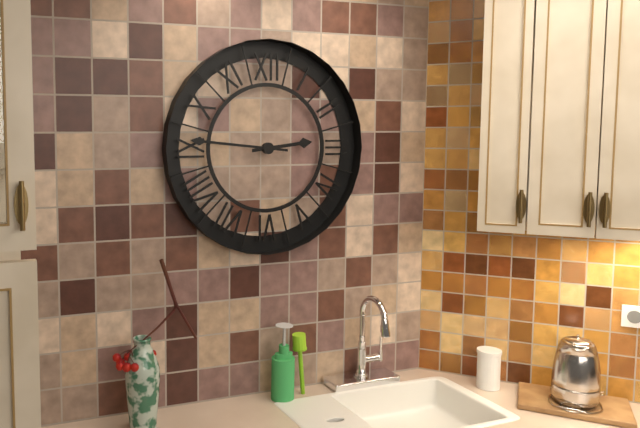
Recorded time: 2:46
